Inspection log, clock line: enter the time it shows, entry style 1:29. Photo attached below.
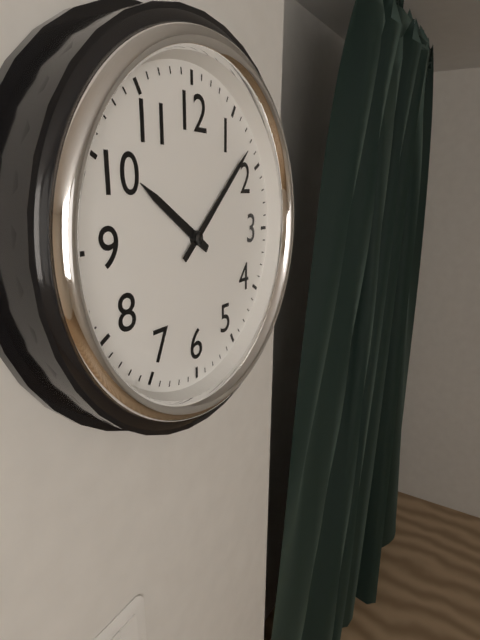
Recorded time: 10:08
